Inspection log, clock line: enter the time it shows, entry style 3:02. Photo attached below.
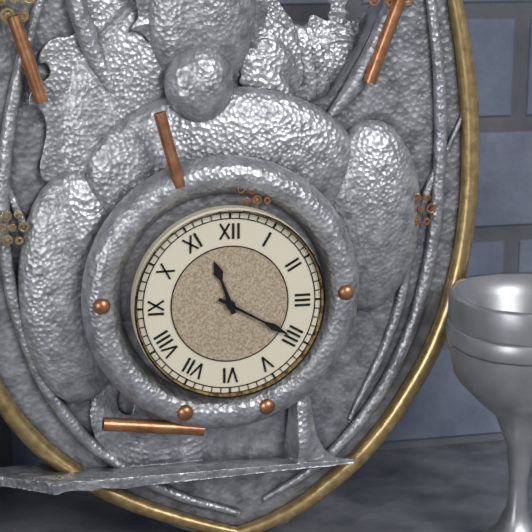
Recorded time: 11:20
